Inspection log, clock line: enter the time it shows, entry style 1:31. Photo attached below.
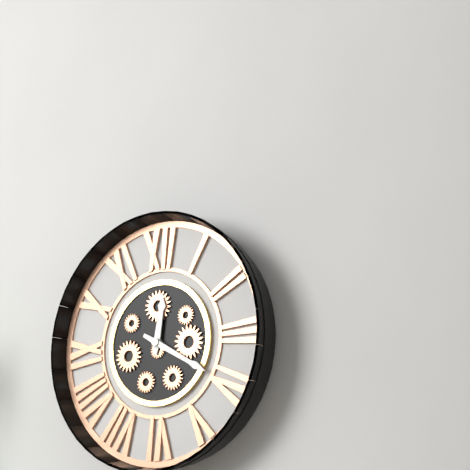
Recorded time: 12:20
